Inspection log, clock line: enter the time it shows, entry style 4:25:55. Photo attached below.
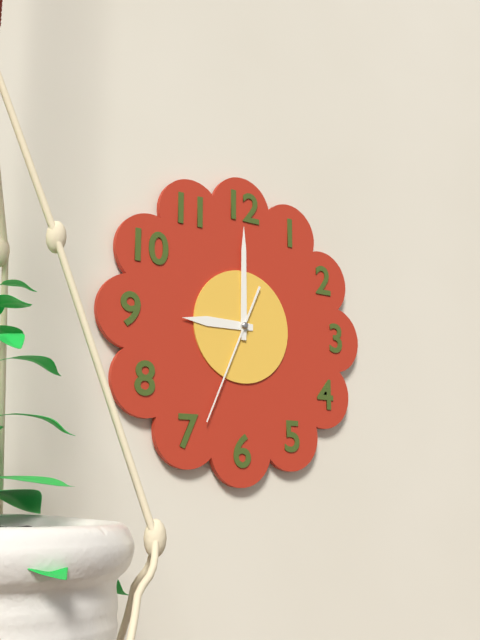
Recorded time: 9:00:34
